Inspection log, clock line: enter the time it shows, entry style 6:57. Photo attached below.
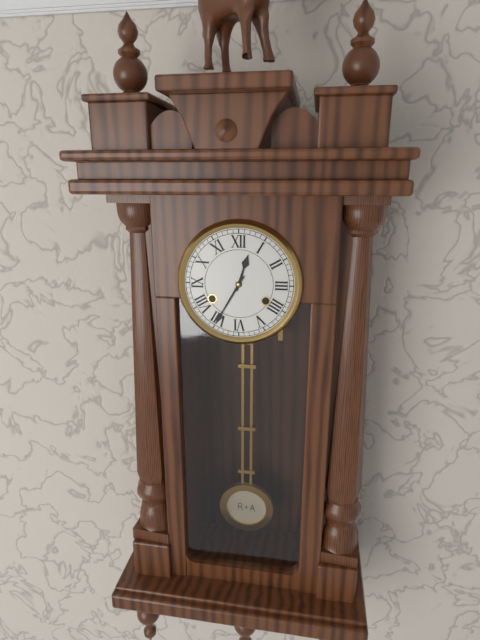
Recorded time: 12:35
